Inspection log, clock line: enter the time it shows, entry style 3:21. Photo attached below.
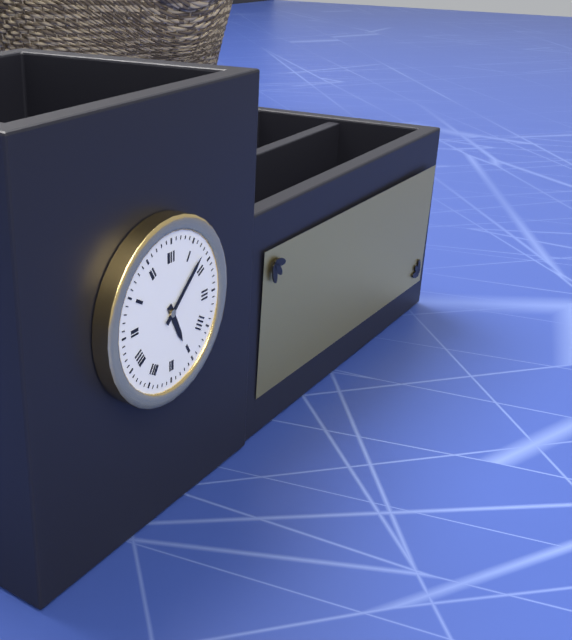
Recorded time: 5:08
